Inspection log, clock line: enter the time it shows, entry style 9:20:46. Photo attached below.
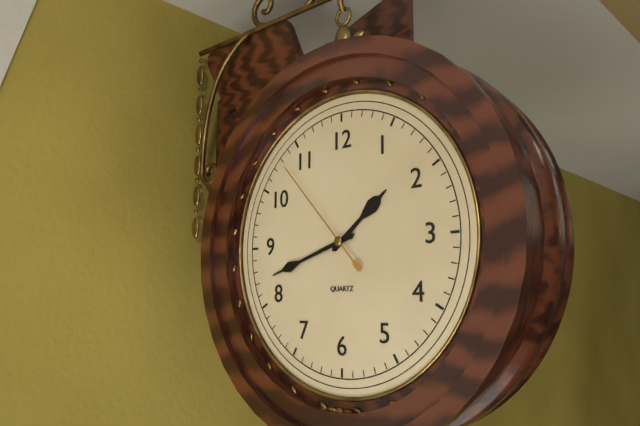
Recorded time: 1:42:53
